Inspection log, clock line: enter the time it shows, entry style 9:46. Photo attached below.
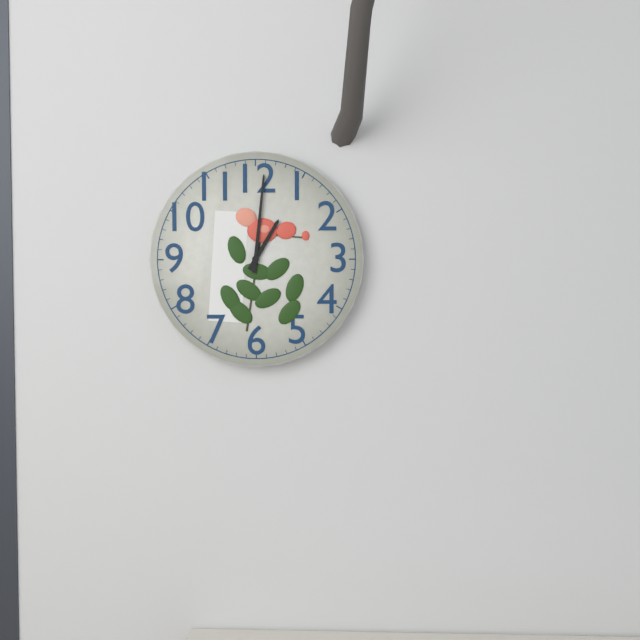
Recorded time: 1:01
